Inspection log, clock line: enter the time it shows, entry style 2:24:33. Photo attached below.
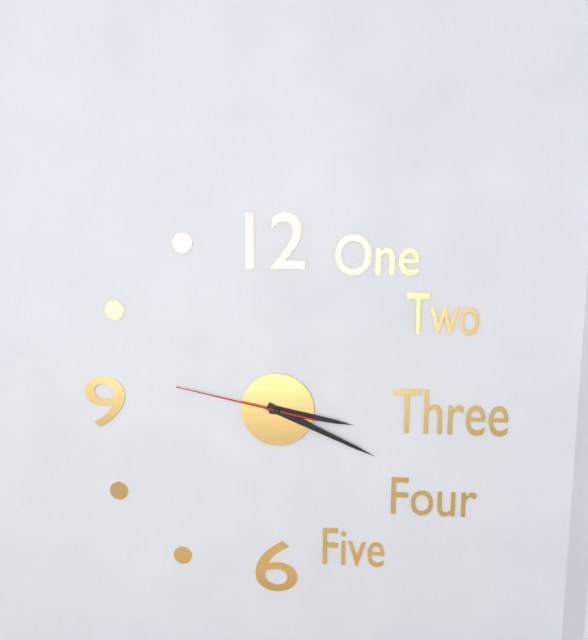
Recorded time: 3:19:47
